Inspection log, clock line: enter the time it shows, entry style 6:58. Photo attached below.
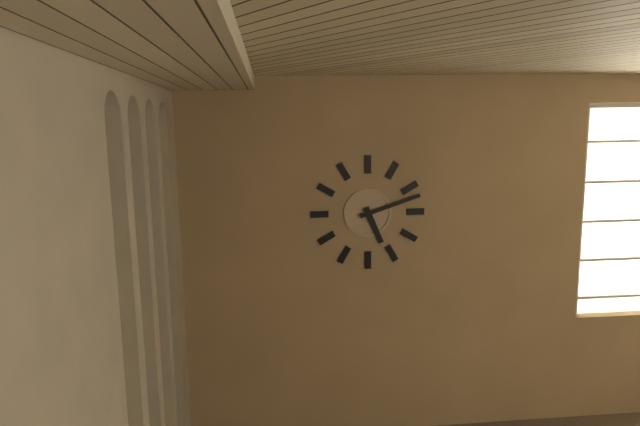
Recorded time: 5:12
